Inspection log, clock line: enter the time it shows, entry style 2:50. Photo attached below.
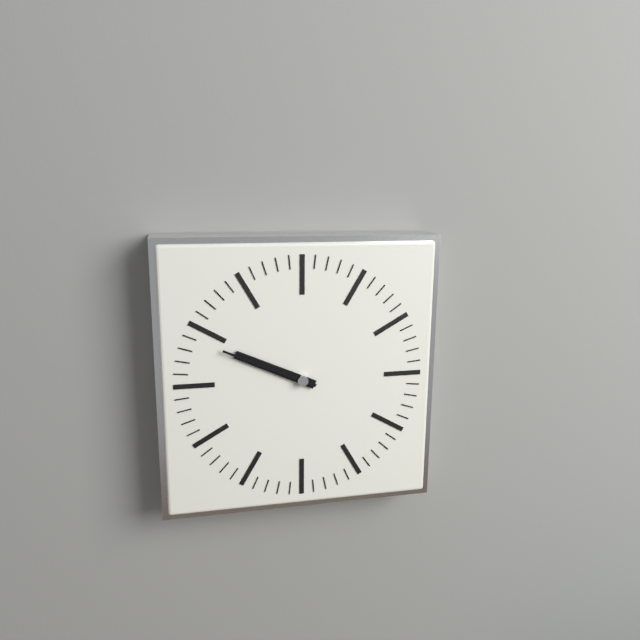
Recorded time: 9:49
